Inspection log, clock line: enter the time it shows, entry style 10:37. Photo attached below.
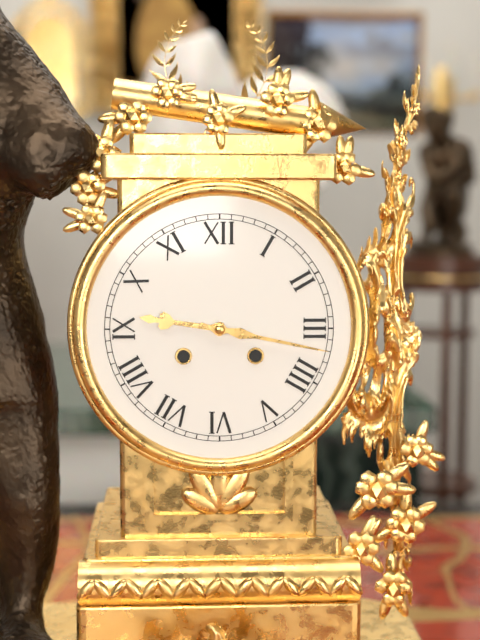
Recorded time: 9:17
